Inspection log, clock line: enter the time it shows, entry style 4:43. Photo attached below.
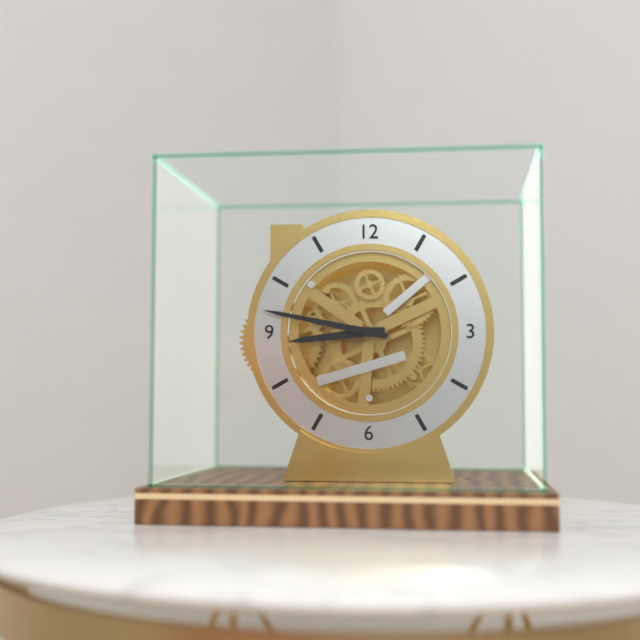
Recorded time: 8:47
